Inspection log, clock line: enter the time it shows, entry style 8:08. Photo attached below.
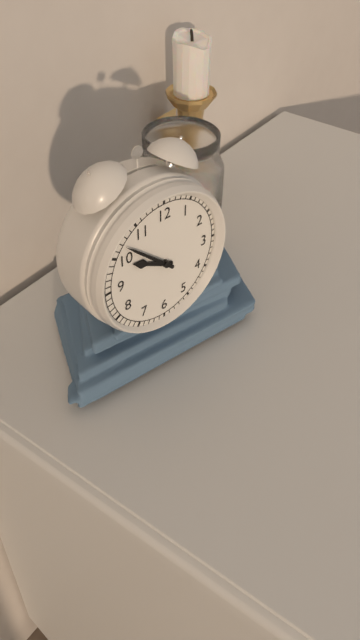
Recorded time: 9:52
